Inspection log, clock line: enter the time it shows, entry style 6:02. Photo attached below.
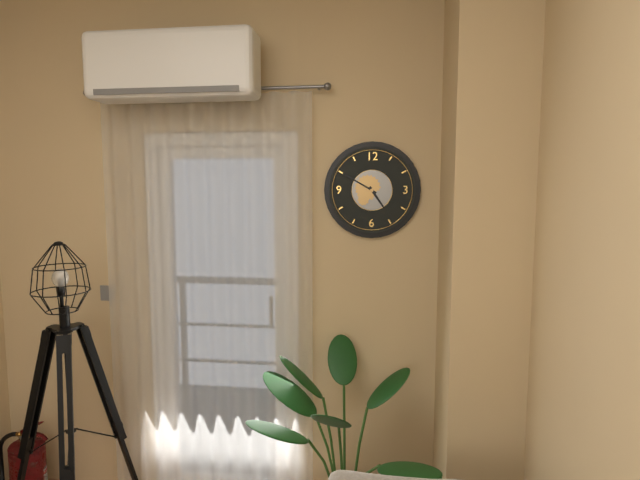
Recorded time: 4:50
